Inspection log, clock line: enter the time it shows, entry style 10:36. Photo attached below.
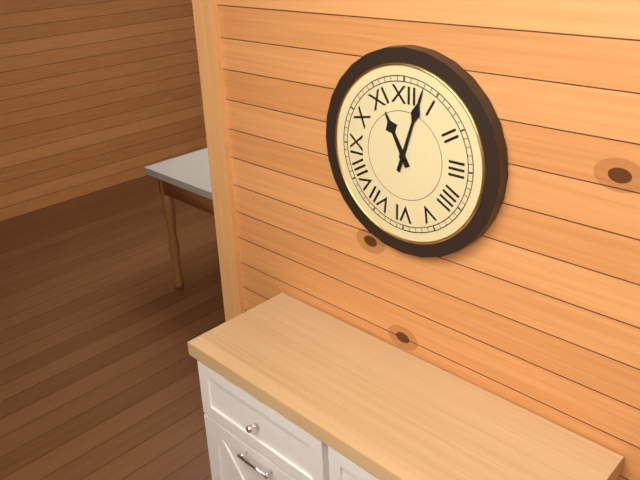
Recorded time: 11:03
